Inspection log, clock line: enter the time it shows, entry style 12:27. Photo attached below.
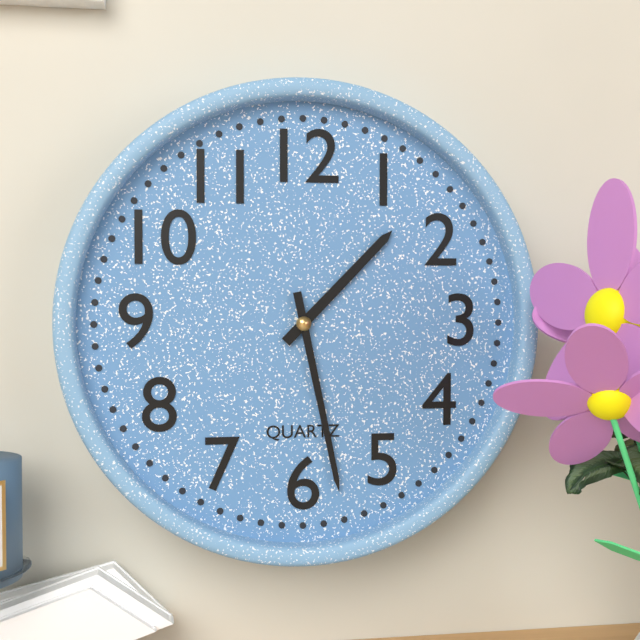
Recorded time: 1:28
